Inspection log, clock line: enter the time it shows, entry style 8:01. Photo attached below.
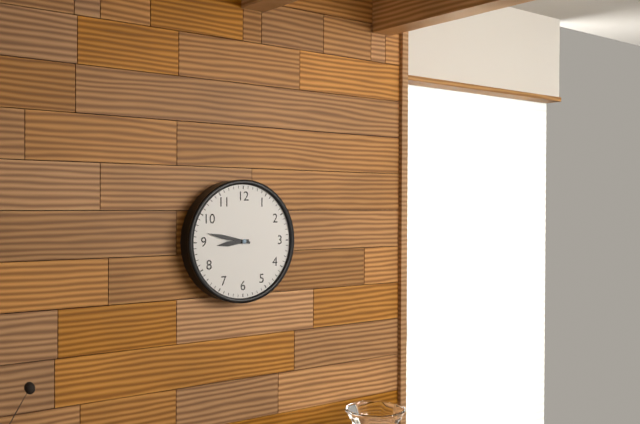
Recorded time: 8:47
